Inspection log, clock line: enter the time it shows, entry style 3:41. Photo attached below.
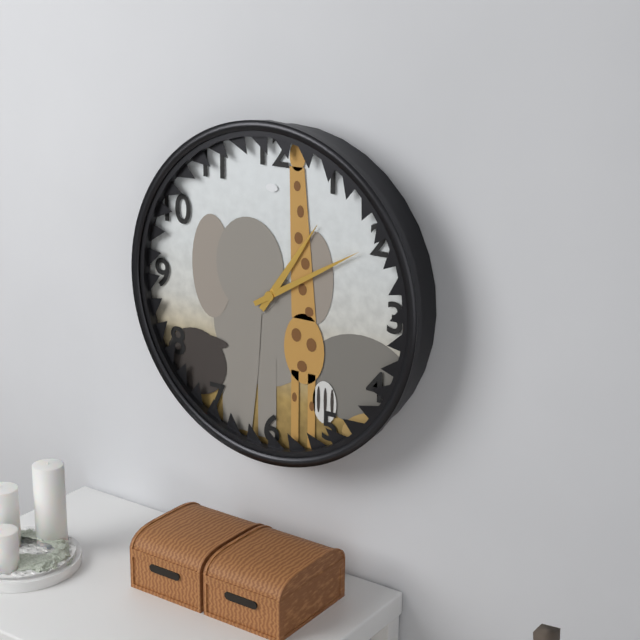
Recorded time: 1:10
